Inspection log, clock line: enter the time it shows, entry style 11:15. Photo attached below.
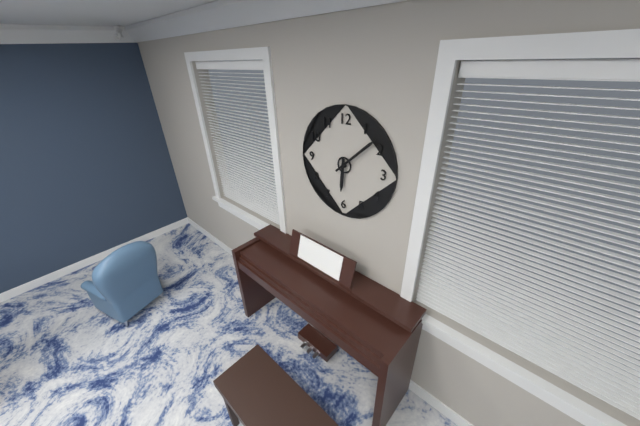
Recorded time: 6:08
